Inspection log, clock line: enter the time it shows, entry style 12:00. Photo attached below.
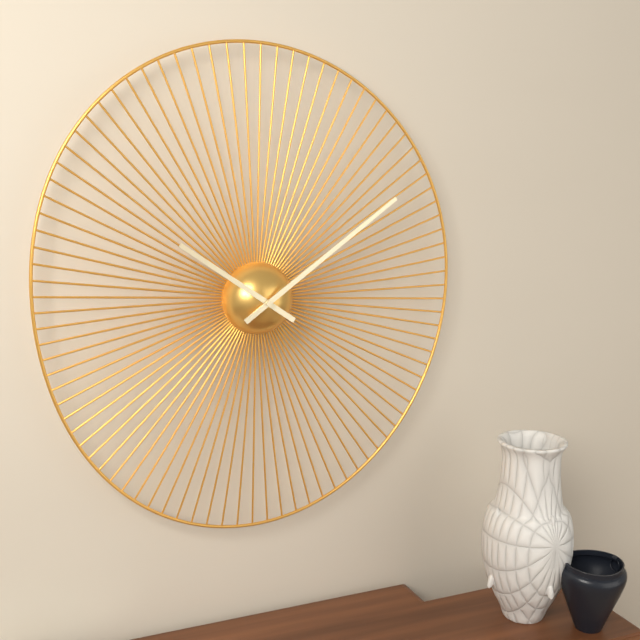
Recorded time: 10:09
